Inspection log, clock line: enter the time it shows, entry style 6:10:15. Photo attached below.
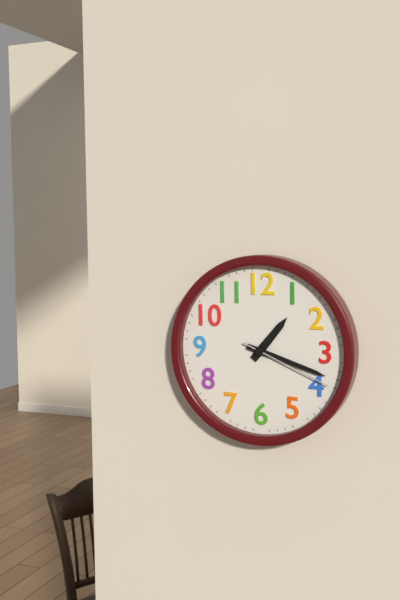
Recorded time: 1:18:19
